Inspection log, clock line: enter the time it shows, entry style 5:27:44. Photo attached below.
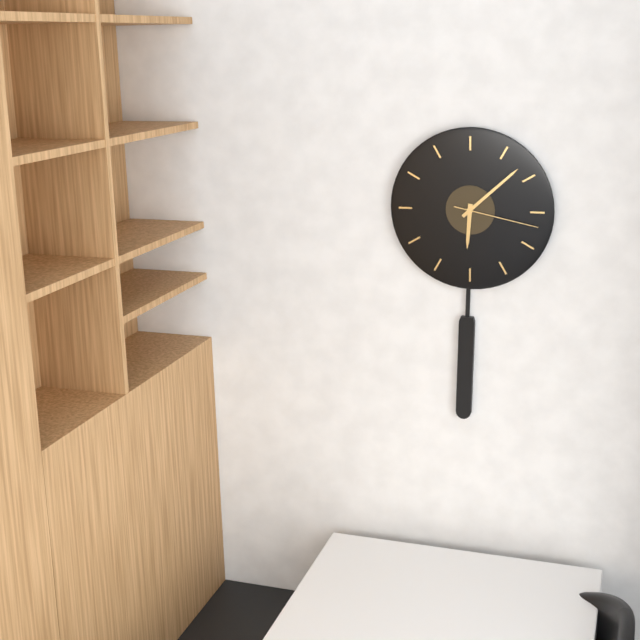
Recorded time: 6:08:17
